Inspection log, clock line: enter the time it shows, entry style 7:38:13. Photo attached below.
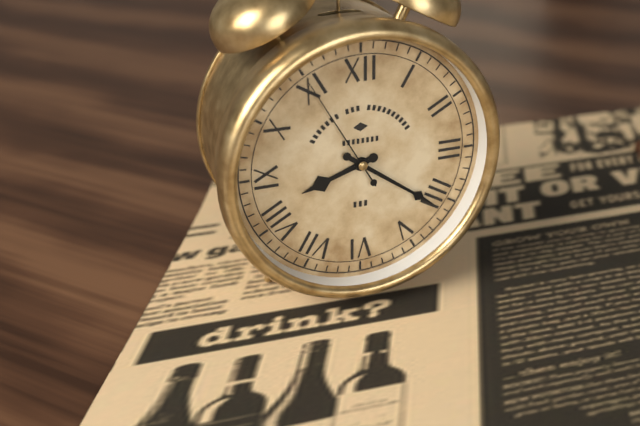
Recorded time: 8:21:55
